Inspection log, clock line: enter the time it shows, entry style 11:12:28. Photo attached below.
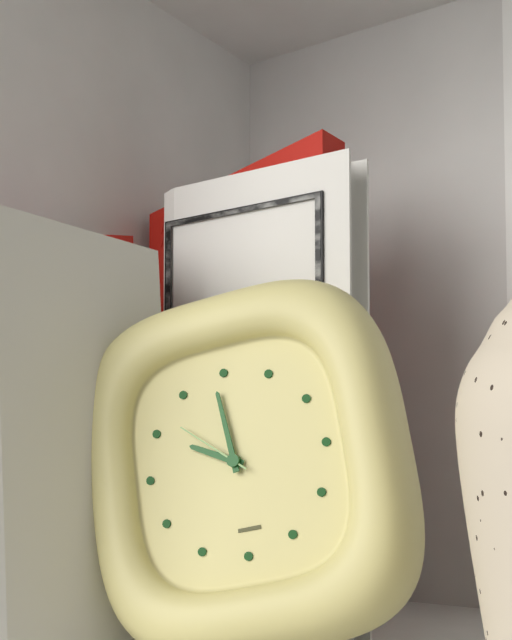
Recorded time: 9:59:52
